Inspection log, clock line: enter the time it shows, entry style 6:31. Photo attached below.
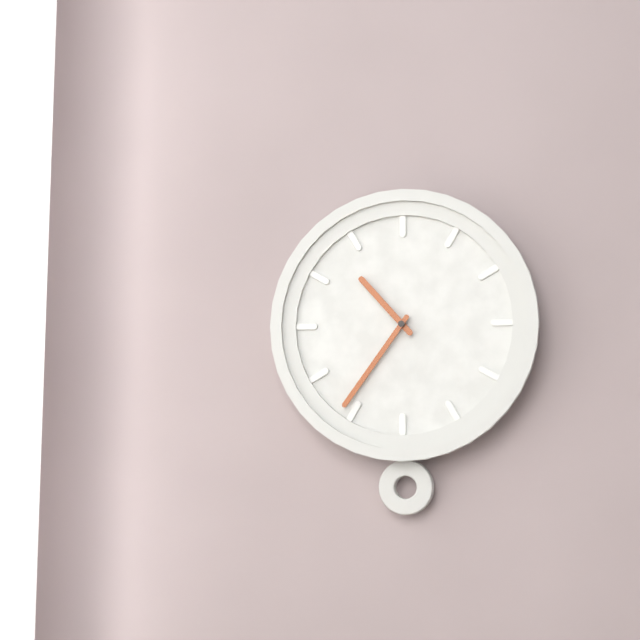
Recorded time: 10:36
